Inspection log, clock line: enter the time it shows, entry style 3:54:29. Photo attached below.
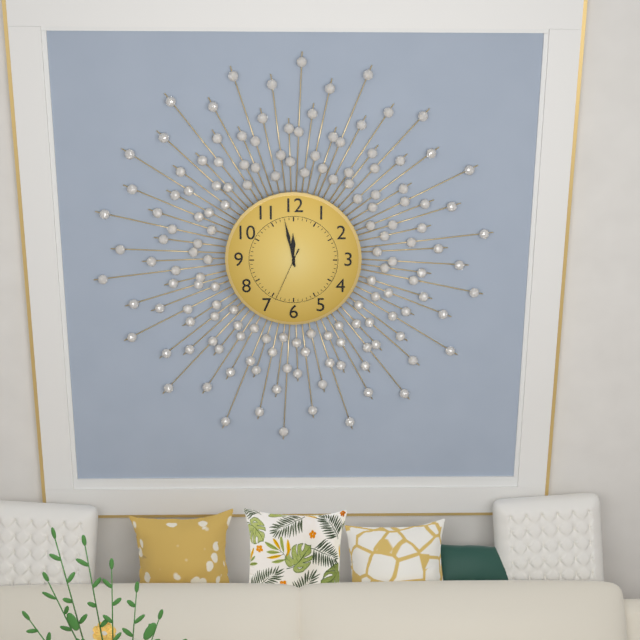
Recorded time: 11:58:34
